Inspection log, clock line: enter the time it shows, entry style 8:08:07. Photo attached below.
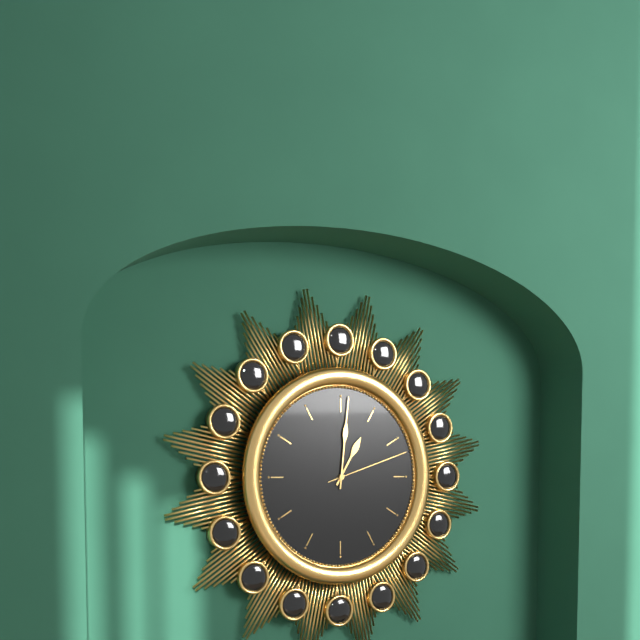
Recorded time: 1:01:12
